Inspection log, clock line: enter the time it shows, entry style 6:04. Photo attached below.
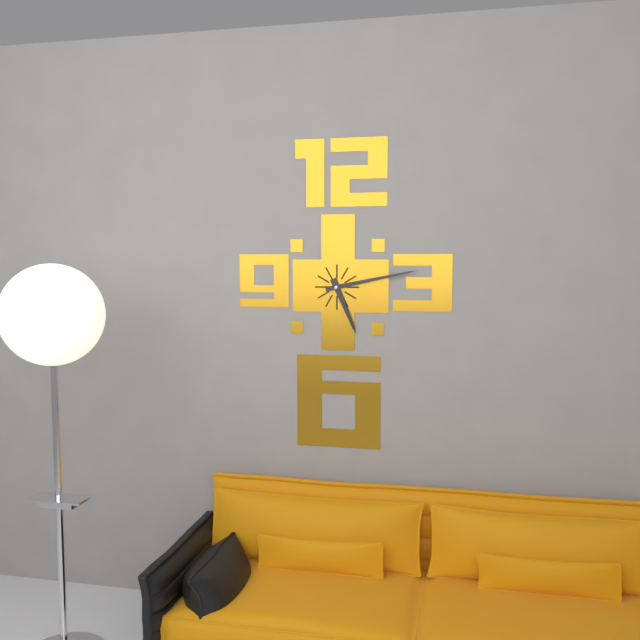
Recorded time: 5:13
